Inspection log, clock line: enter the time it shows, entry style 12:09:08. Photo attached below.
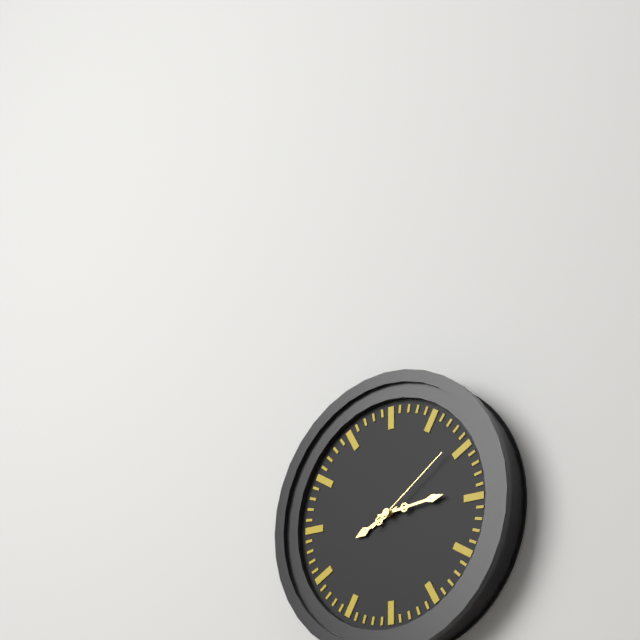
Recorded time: 8:14:09
